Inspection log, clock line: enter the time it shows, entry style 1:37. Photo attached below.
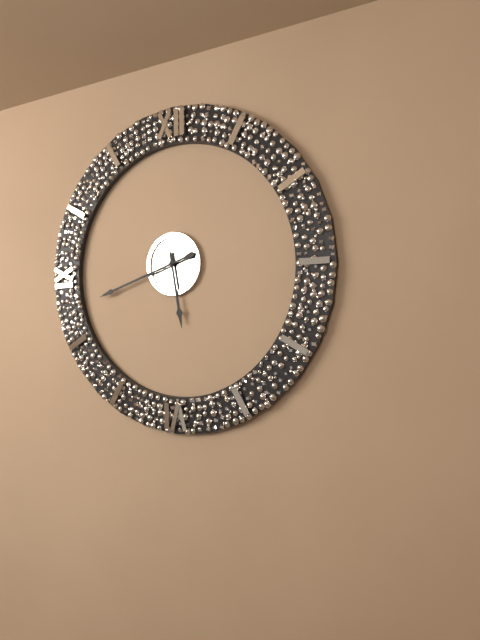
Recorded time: 5:42
